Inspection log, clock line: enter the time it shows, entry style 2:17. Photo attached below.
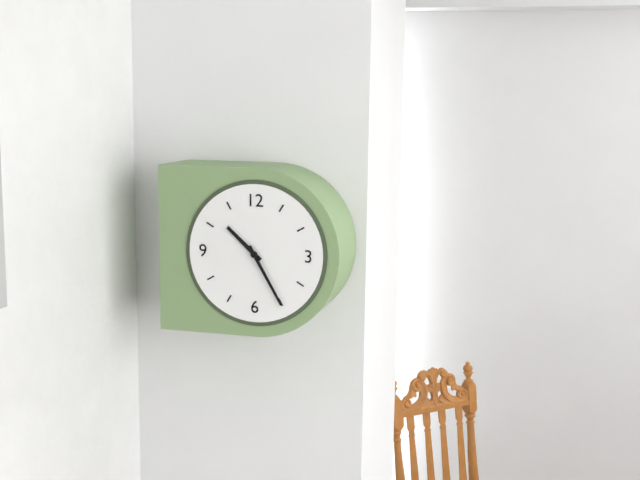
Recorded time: 10:25
